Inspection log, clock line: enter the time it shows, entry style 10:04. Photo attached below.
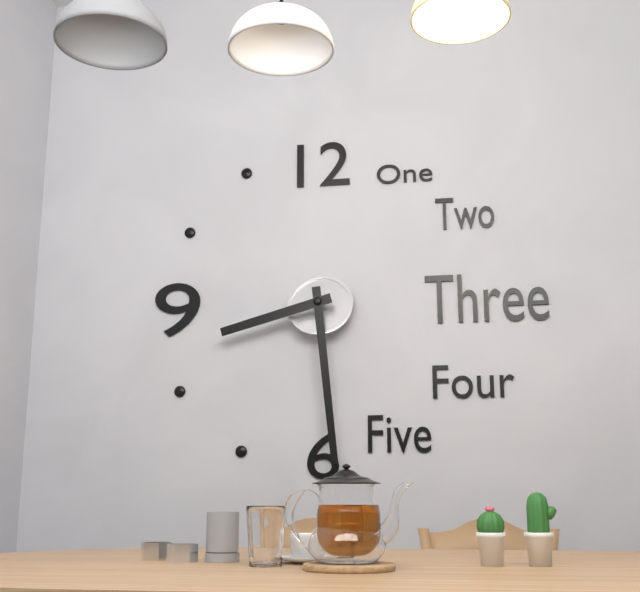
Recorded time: 8:29
